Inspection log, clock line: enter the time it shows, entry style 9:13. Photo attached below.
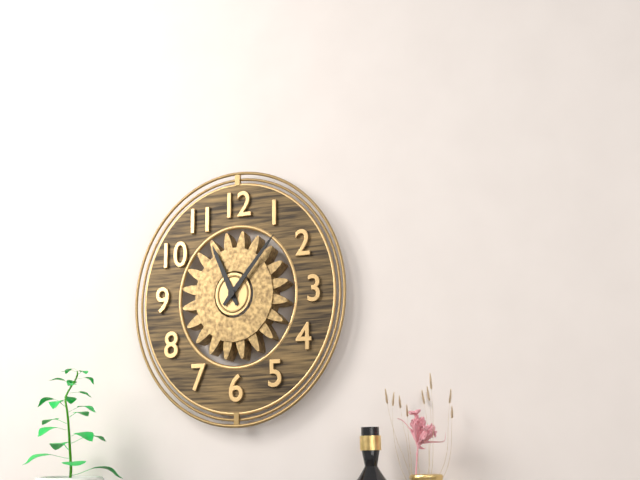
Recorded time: 11:07
